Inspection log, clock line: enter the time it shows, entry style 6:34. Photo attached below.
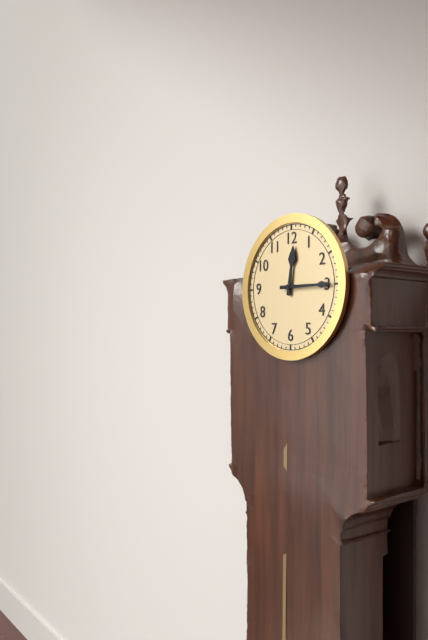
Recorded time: 12:15
